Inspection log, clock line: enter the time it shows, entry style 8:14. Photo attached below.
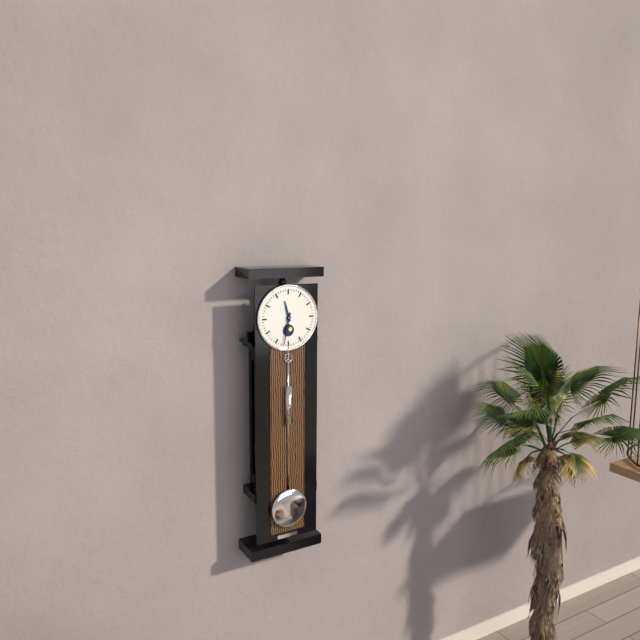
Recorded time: 11:32
